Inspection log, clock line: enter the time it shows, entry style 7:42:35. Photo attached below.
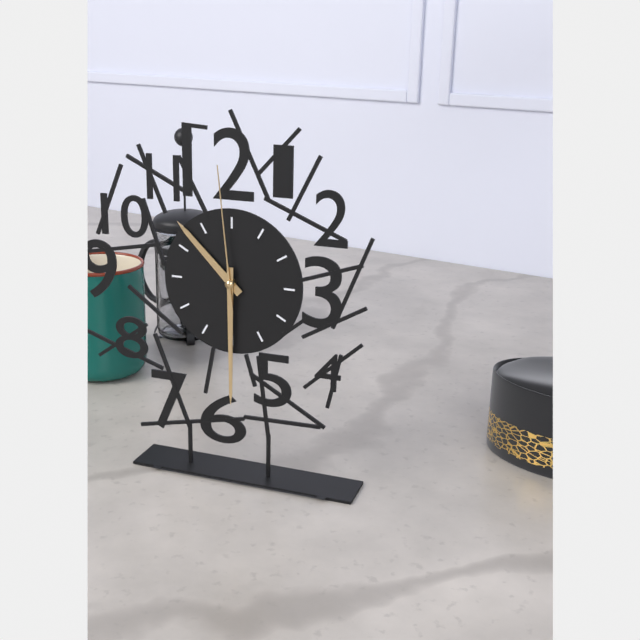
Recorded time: 10:30:59
